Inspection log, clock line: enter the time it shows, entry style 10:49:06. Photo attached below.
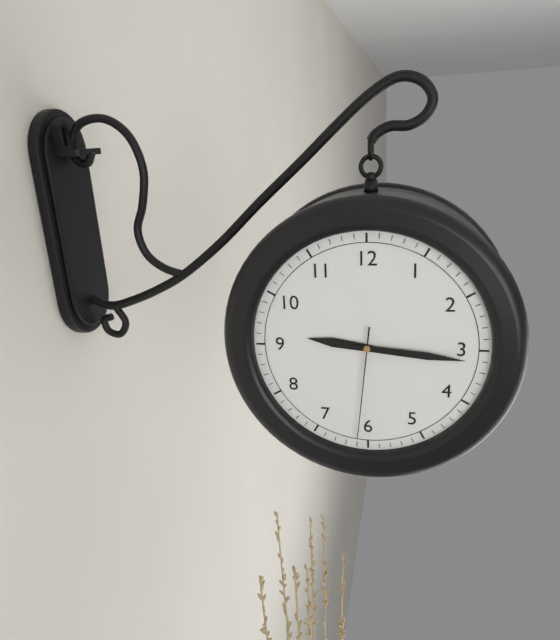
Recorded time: 9:16:31
